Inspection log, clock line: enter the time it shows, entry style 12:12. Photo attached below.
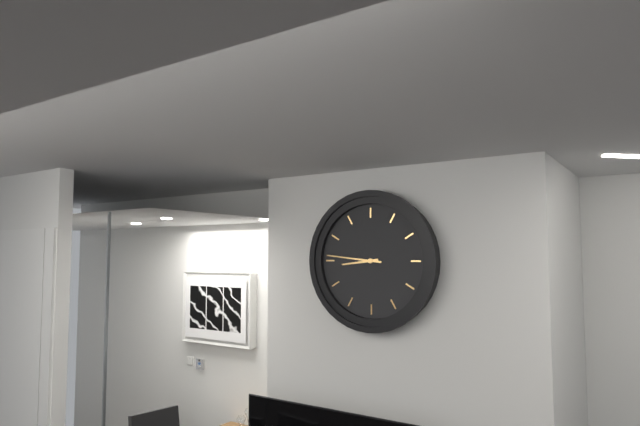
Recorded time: 8:46
